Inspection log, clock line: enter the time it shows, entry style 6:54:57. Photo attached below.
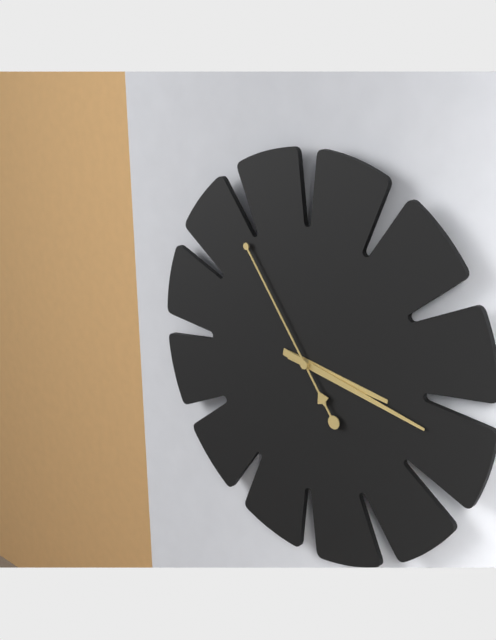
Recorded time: 3:17:54
